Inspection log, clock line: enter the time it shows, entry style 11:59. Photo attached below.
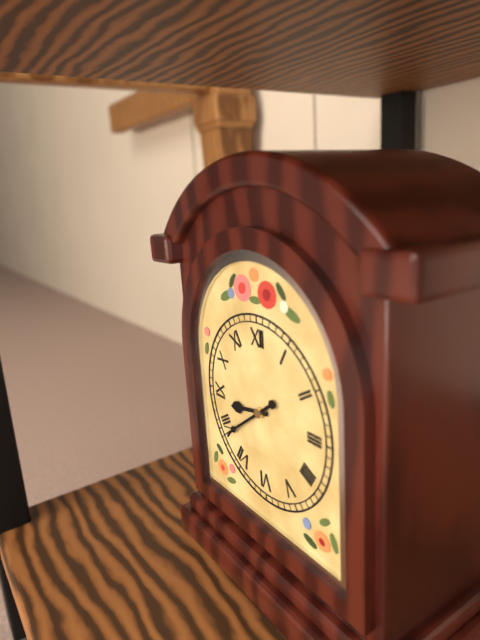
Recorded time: 8:39
